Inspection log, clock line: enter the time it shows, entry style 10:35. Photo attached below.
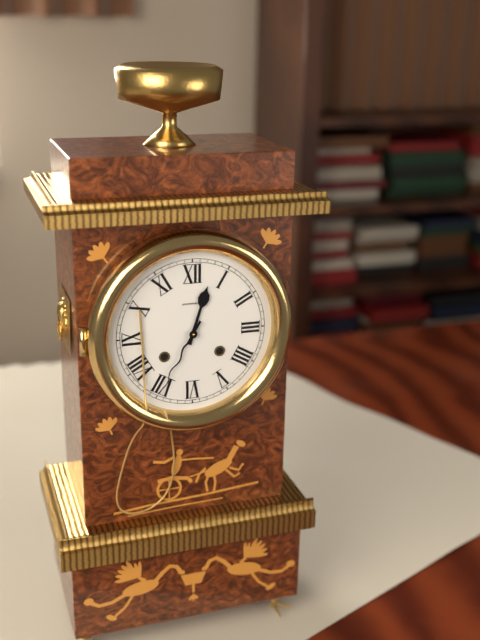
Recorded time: 12:35
